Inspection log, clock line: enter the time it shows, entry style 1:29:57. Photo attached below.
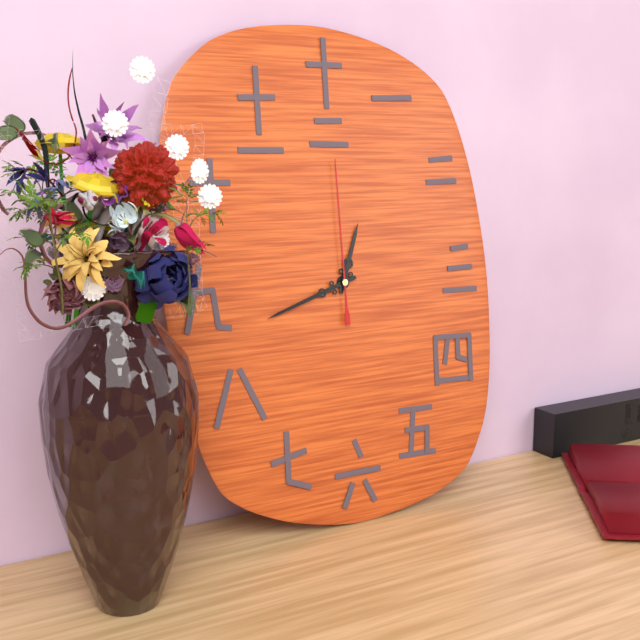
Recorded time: 12:42:00
